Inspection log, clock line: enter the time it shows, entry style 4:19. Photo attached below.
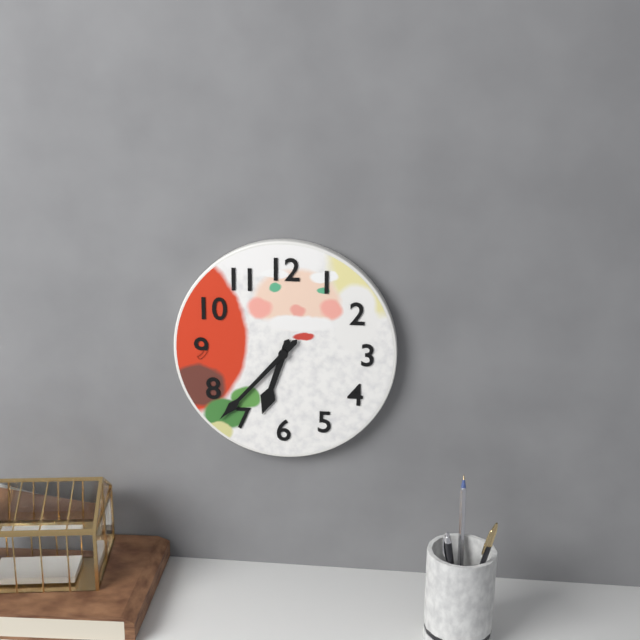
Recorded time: 6:37
